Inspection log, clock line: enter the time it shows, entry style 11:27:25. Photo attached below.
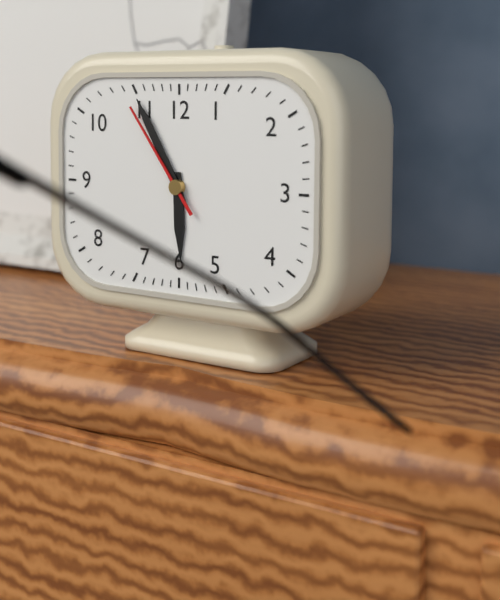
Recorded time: 5:55:54
